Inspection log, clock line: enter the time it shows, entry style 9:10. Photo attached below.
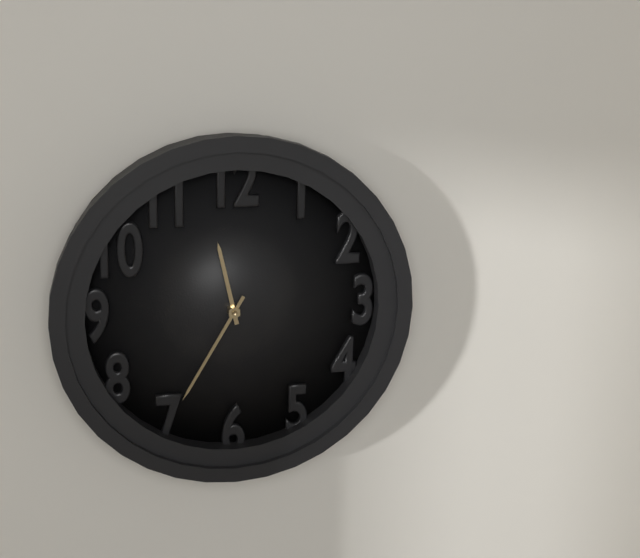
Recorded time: 11:35
